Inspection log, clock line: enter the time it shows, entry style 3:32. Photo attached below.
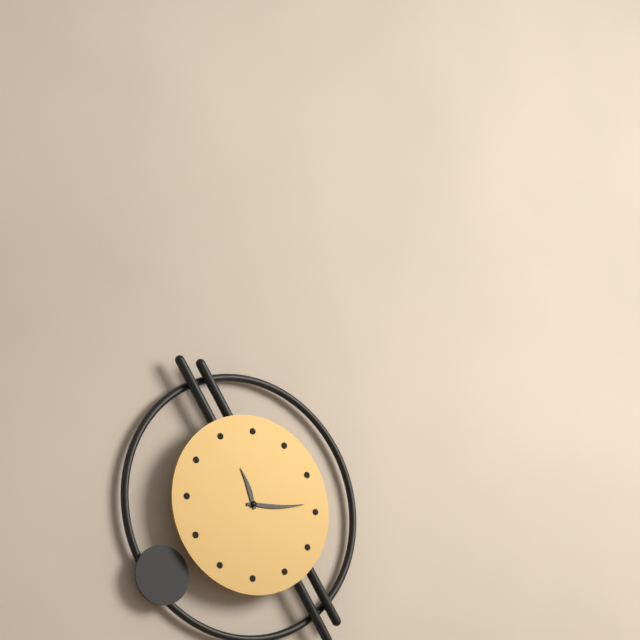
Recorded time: 11:14
